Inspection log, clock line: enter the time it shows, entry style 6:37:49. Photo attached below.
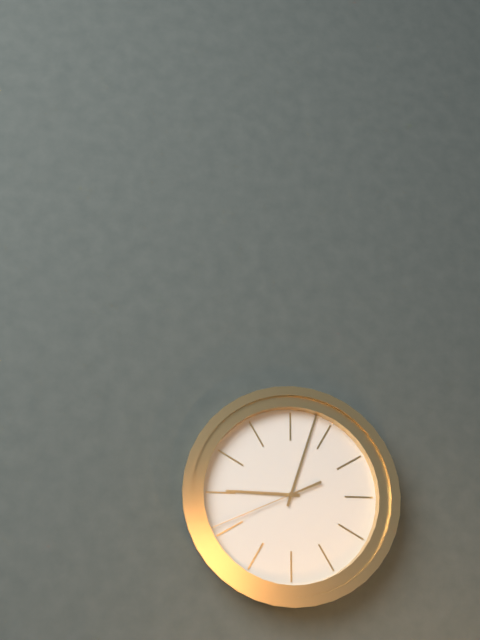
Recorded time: 9:03:41
